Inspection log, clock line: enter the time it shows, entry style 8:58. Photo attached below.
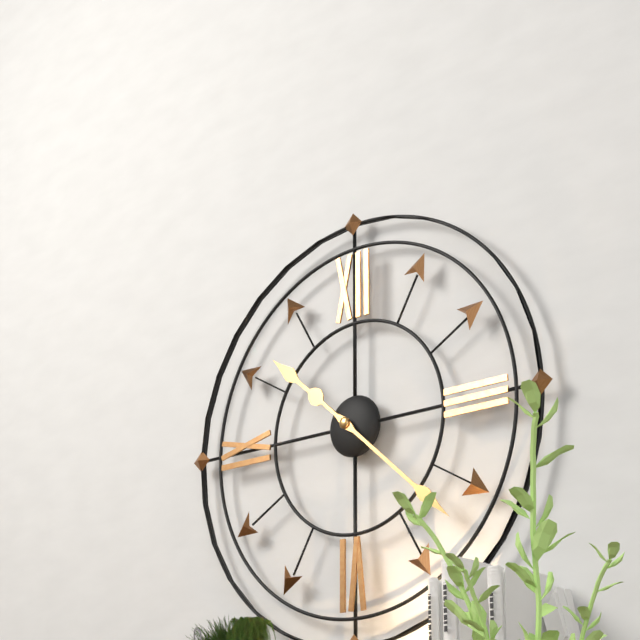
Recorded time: 10:22
